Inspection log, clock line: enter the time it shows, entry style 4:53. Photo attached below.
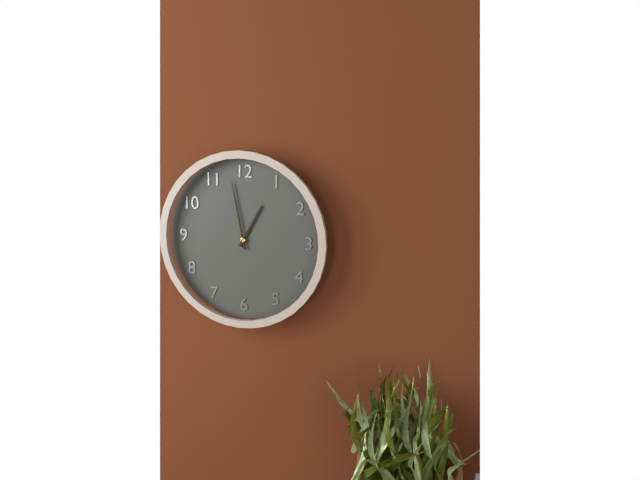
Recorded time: 12:58
